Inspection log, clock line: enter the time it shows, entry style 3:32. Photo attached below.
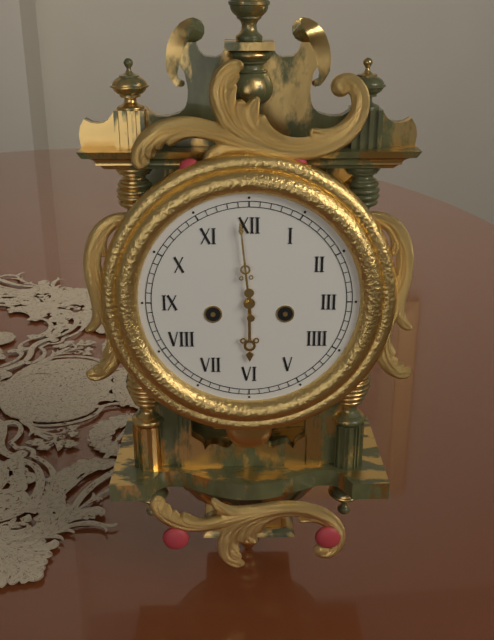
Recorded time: 5:59
